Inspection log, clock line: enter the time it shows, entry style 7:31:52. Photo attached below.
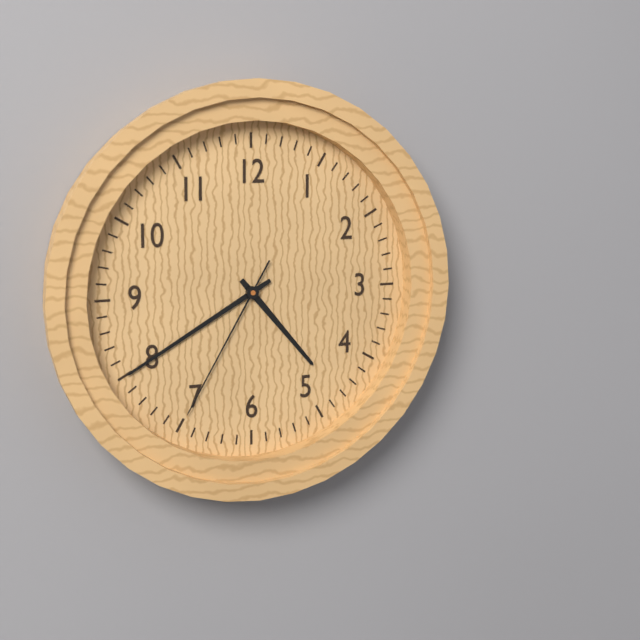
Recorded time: 4:40:35
